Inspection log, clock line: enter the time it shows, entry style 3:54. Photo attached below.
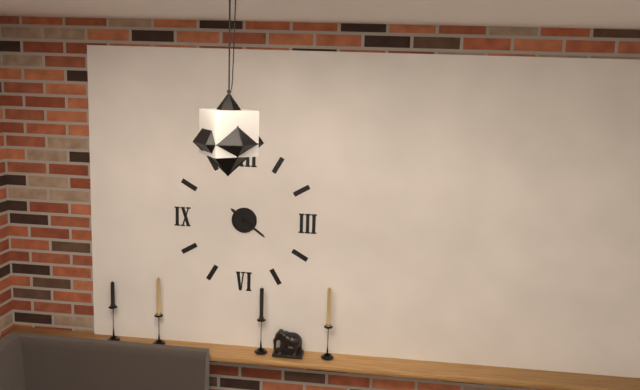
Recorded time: 10:21
